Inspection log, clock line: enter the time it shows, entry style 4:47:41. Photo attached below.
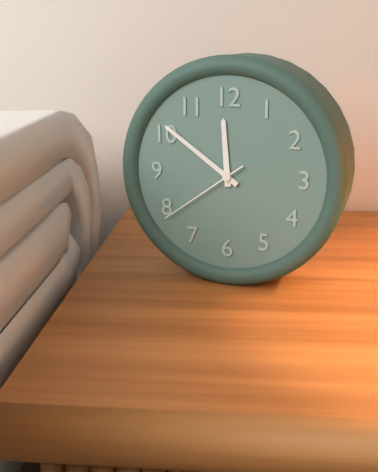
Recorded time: 11:51:39
